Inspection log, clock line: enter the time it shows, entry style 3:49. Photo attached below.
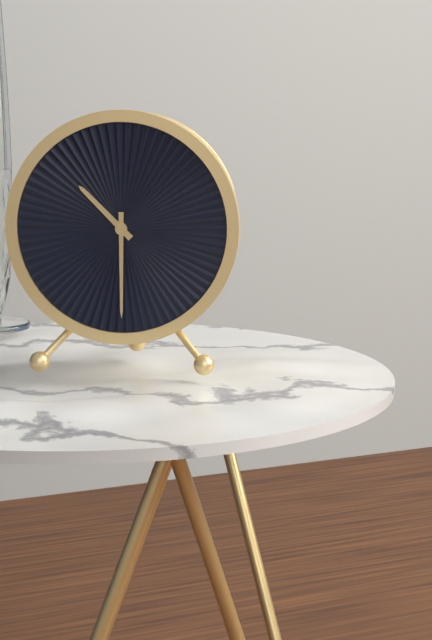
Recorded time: 10:30
